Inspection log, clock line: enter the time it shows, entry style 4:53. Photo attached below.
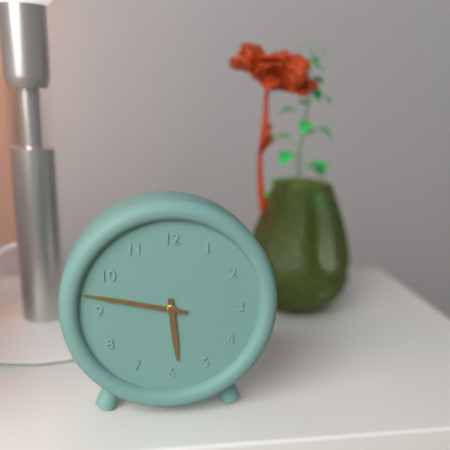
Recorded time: 5:47
